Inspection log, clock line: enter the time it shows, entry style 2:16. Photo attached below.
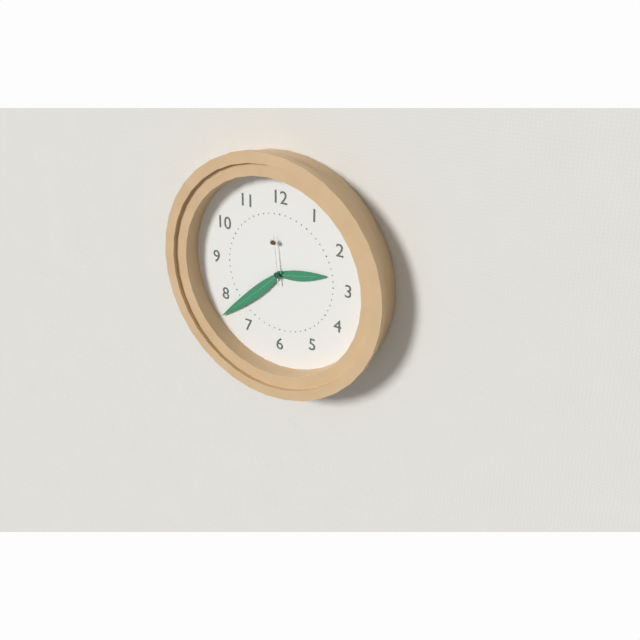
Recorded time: 2:38
